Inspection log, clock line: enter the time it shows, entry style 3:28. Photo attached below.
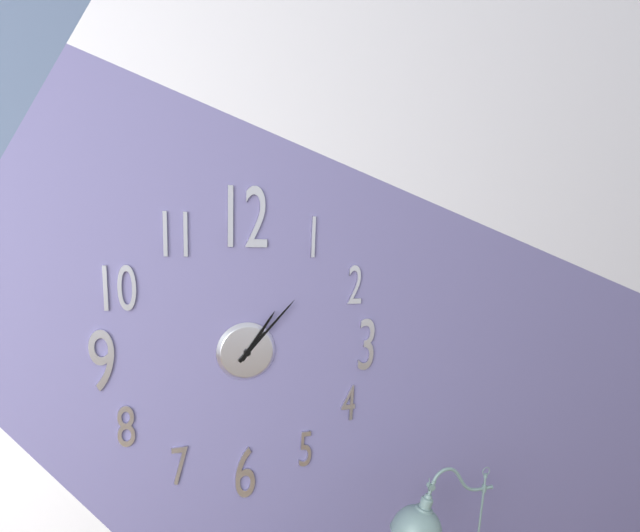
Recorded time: 1:07
